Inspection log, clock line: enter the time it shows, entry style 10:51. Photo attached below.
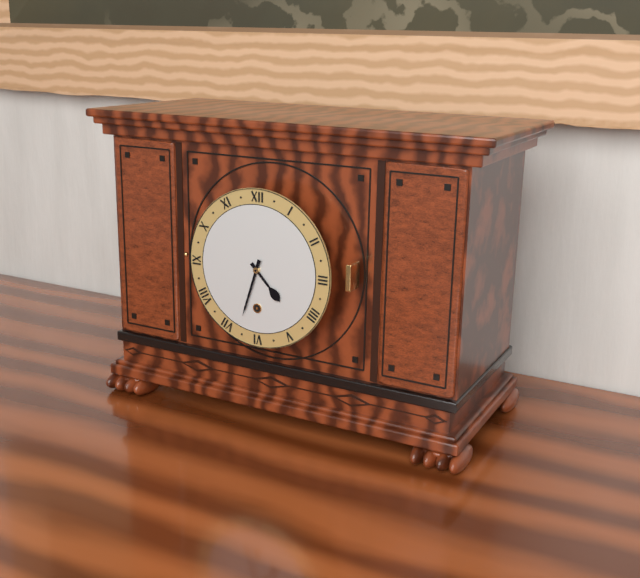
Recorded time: 4:33
